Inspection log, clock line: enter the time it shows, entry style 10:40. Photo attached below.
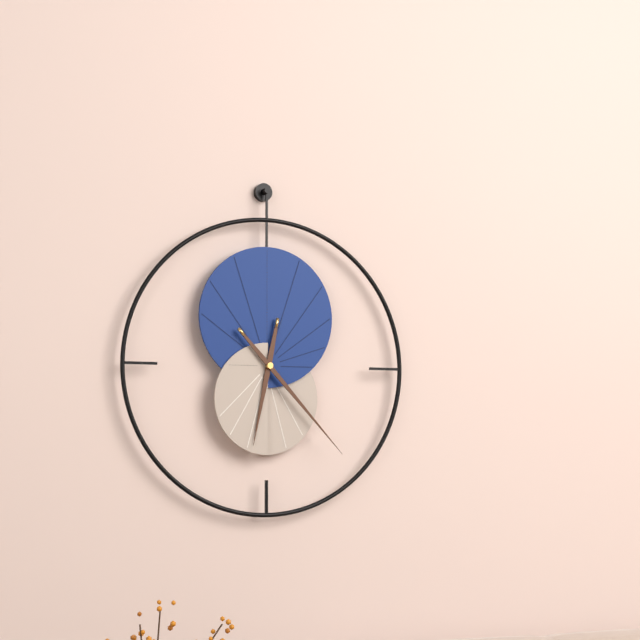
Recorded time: 6:23
